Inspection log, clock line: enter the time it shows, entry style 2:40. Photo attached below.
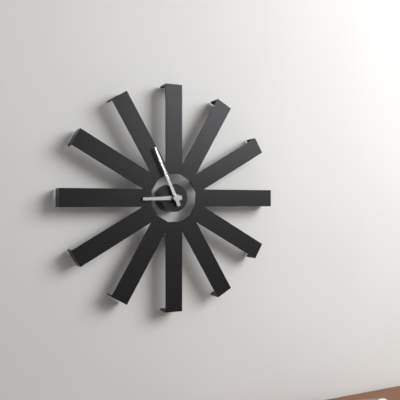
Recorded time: 8:56
